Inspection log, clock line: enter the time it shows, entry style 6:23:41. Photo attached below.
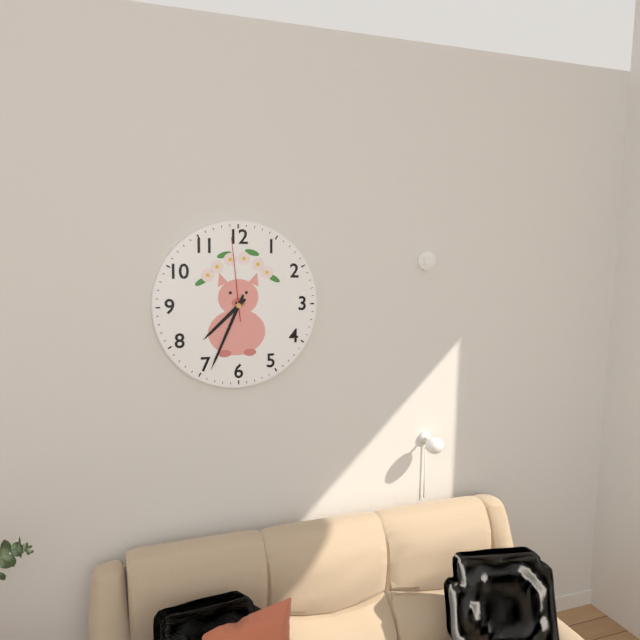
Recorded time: 7:34:59
